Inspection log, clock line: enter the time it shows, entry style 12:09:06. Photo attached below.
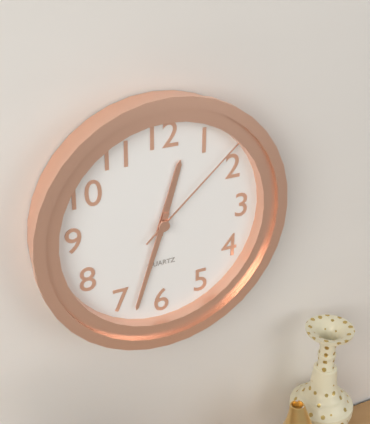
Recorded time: 12:33:08
